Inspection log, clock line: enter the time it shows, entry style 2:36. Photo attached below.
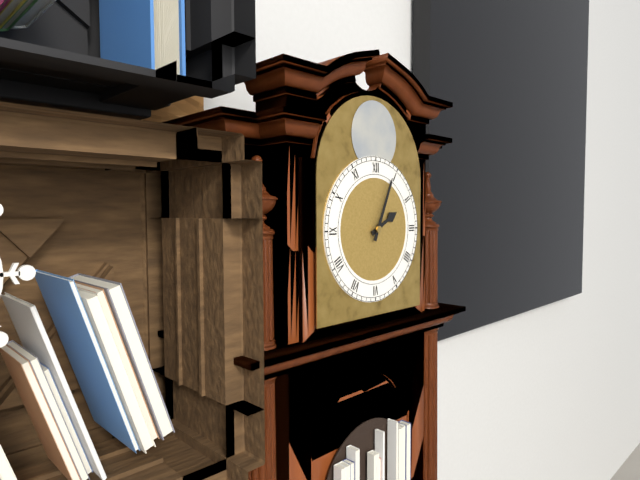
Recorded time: 2:04
